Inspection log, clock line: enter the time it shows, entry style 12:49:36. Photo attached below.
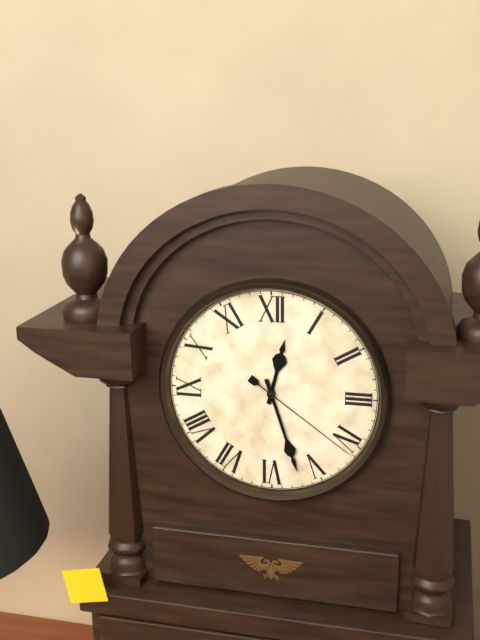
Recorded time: 12:27:21
